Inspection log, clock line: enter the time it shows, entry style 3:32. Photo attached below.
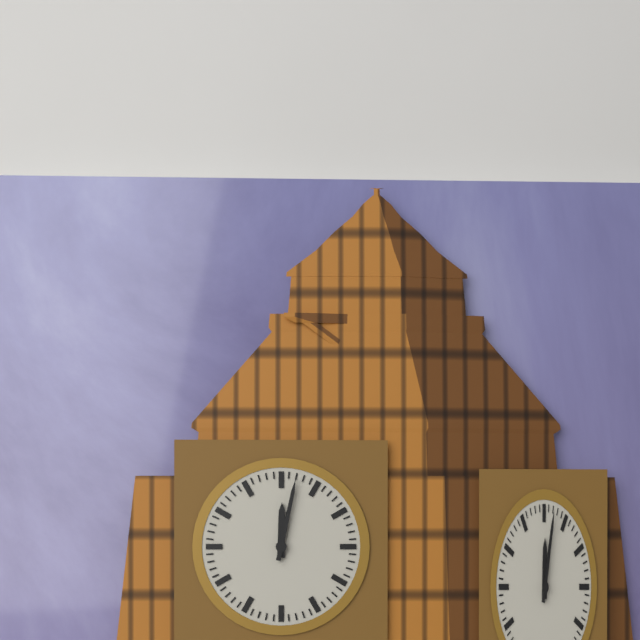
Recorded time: 12:02
